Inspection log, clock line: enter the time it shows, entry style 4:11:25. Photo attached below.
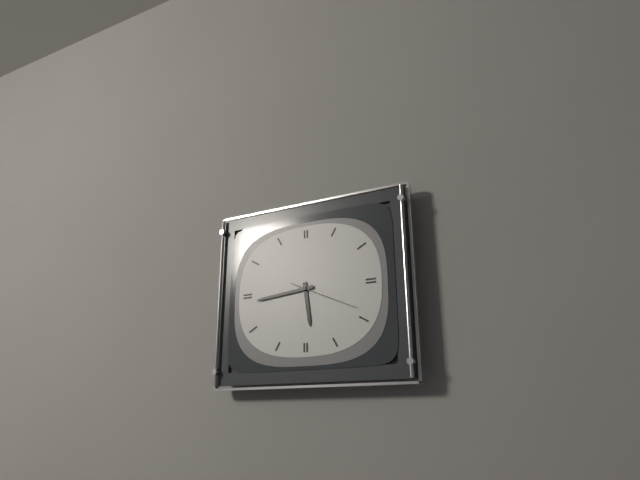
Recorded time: 5:44:19
